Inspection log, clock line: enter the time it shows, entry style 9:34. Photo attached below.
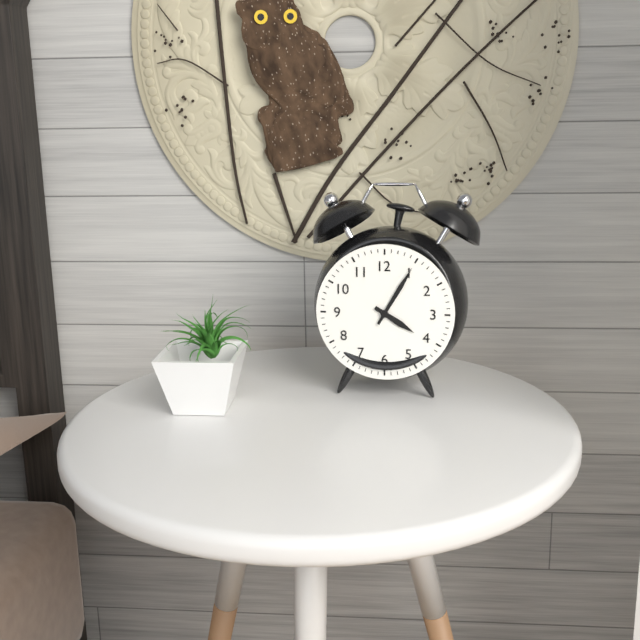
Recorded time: 4:05
